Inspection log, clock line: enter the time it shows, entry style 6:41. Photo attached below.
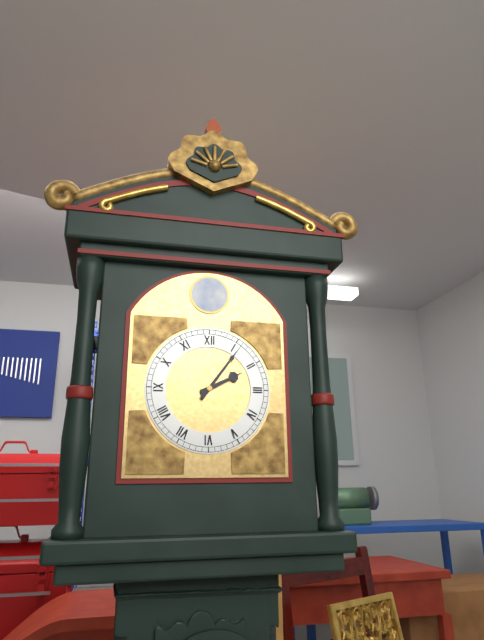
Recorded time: 2:06
